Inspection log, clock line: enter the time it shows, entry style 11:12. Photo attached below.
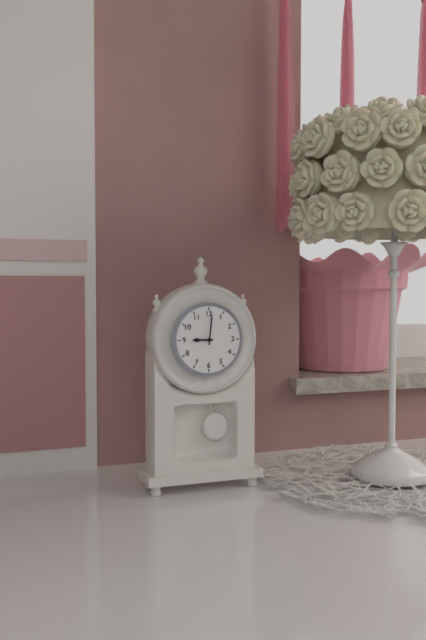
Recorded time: 9:01
